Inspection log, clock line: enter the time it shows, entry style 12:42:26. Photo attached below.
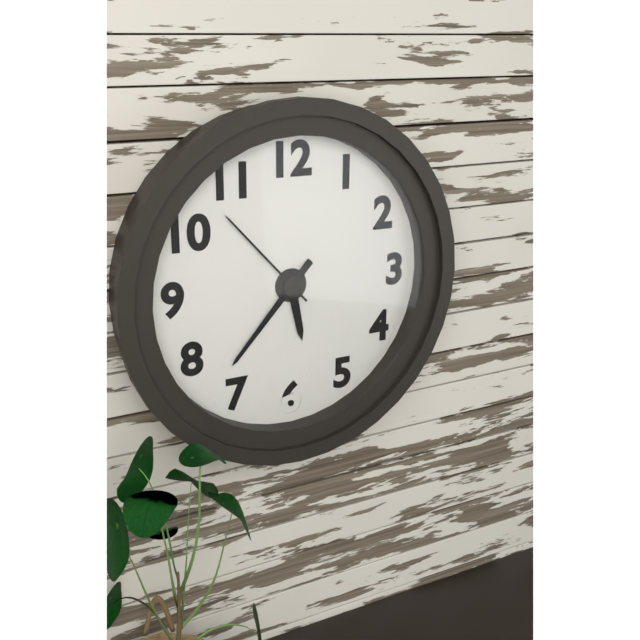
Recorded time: 5:37:53
